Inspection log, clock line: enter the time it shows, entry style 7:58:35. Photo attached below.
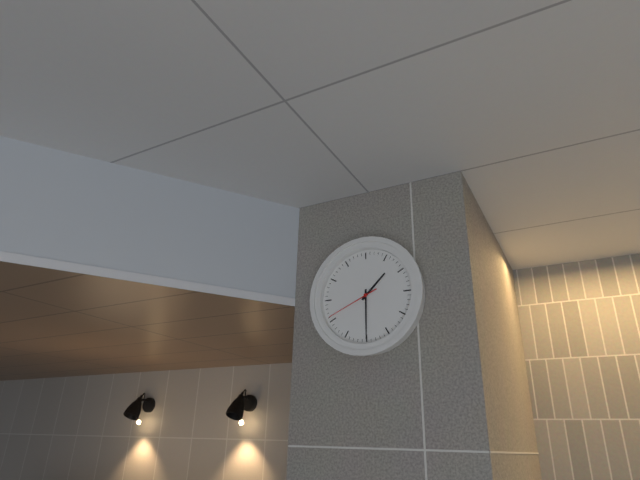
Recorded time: 1:30:41
